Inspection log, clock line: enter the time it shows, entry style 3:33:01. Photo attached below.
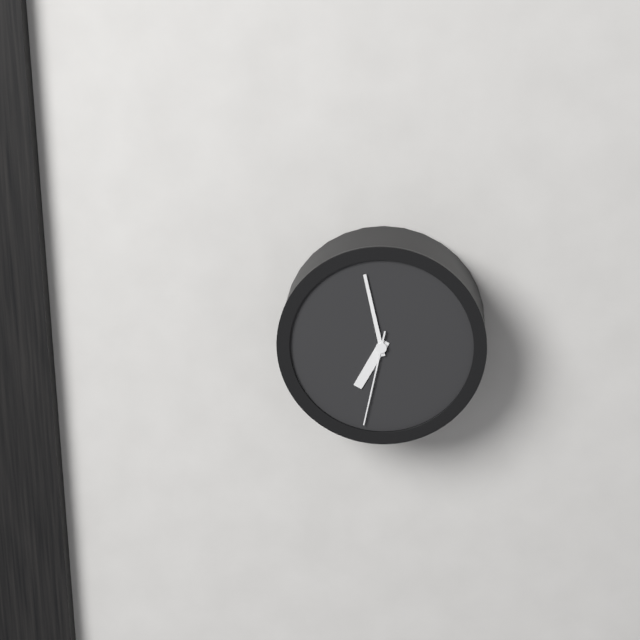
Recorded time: 6:58:32
